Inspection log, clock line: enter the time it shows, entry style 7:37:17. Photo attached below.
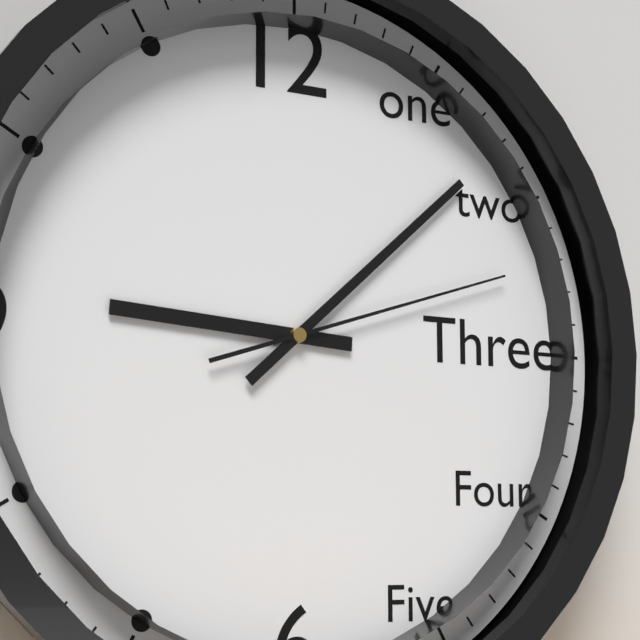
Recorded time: 9:08:12
